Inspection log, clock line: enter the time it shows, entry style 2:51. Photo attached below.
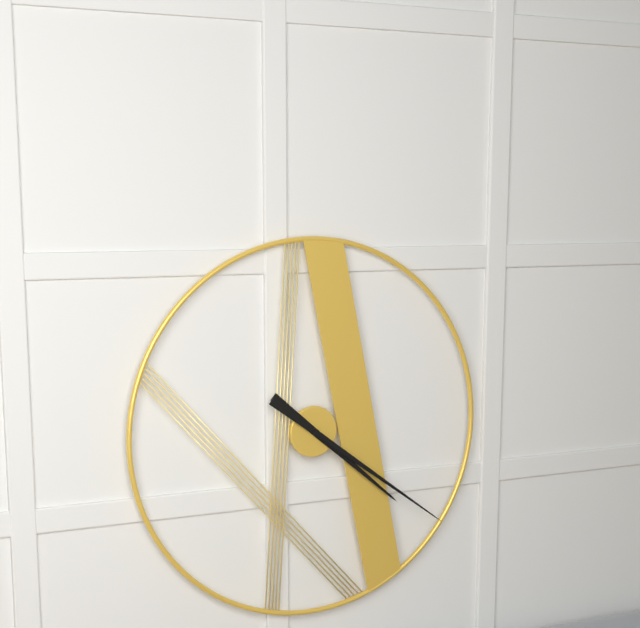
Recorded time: 4:21
